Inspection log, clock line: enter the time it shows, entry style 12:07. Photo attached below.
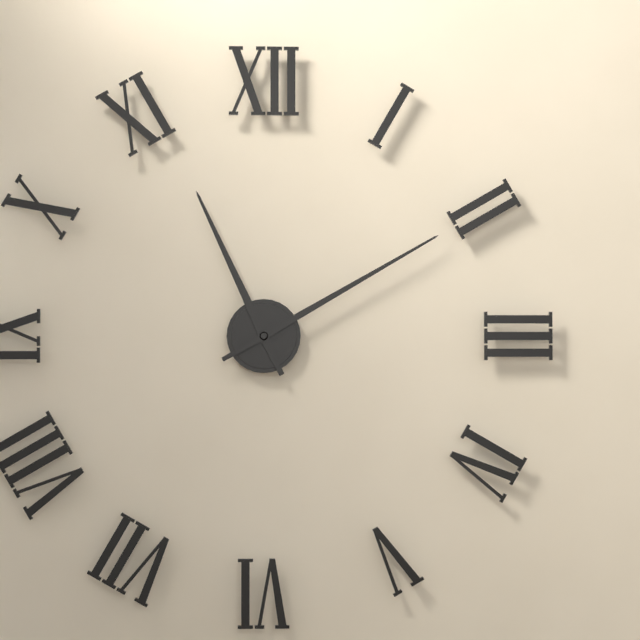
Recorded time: 11:10
